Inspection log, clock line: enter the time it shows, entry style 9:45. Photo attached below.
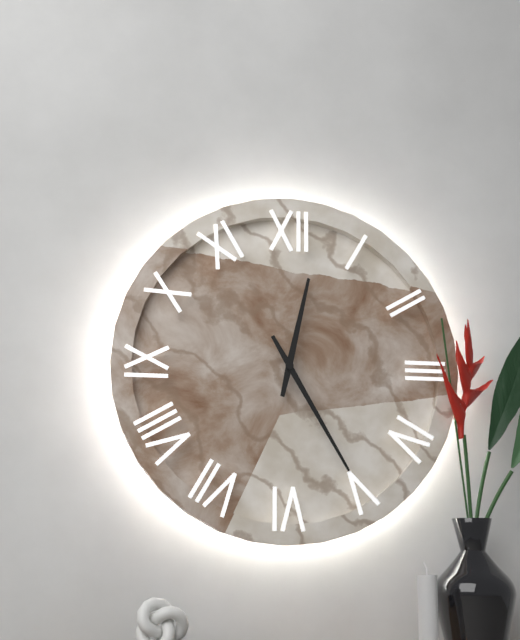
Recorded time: 12:25
